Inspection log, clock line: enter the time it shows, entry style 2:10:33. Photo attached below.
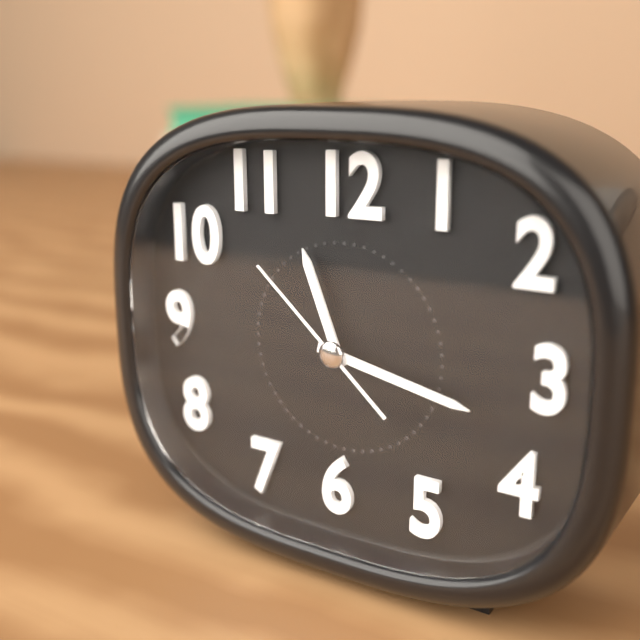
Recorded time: 11:17:52
